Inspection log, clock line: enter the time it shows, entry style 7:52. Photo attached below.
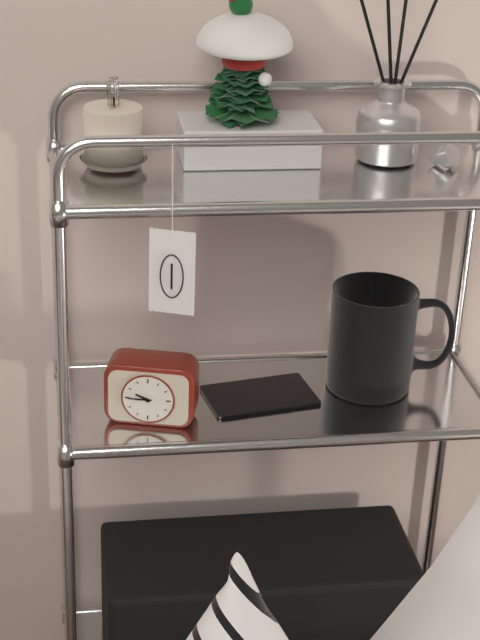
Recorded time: 9:45
